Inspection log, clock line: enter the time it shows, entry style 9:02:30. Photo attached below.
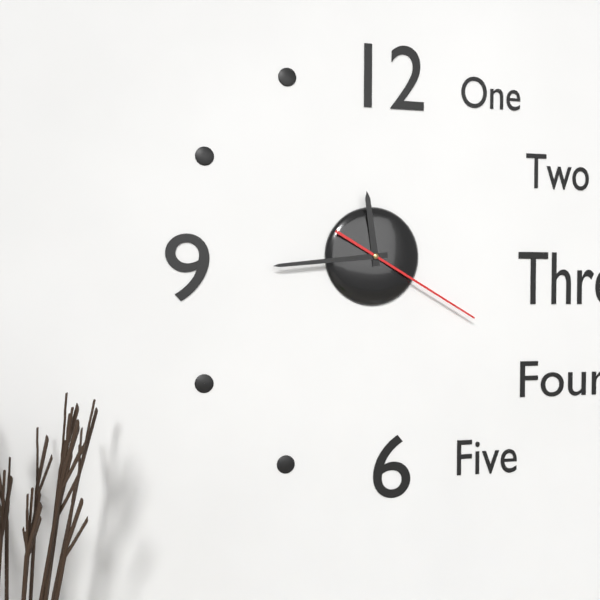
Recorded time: 11:44:20
